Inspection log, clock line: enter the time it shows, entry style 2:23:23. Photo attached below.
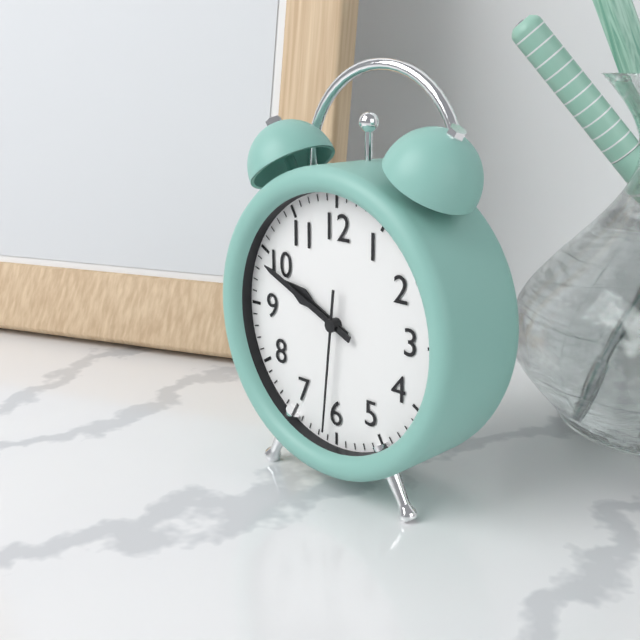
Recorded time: 9:49:31
